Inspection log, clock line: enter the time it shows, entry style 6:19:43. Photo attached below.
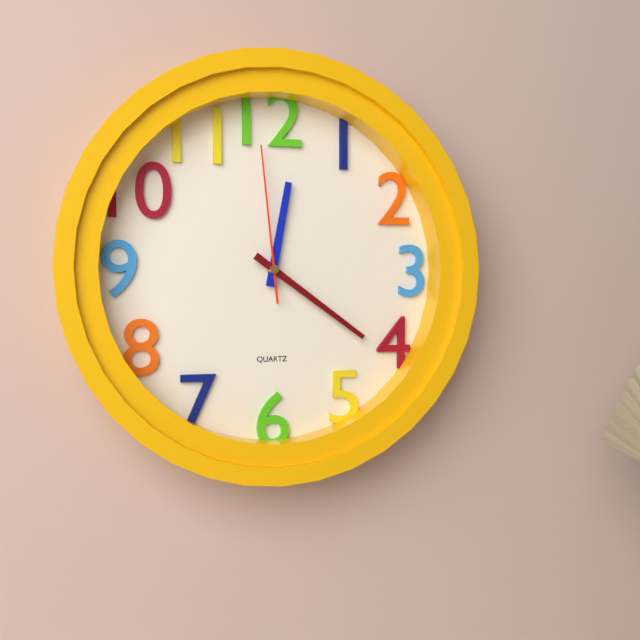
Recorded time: 12:21:59
